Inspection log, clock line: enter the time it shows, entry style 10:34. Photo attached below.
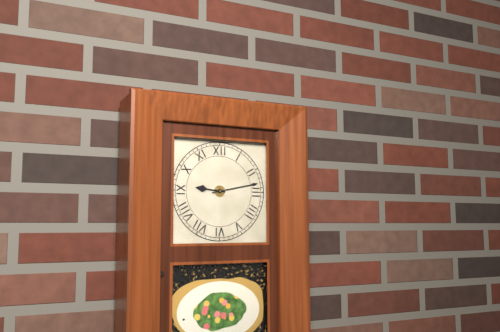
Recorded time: 9:13
